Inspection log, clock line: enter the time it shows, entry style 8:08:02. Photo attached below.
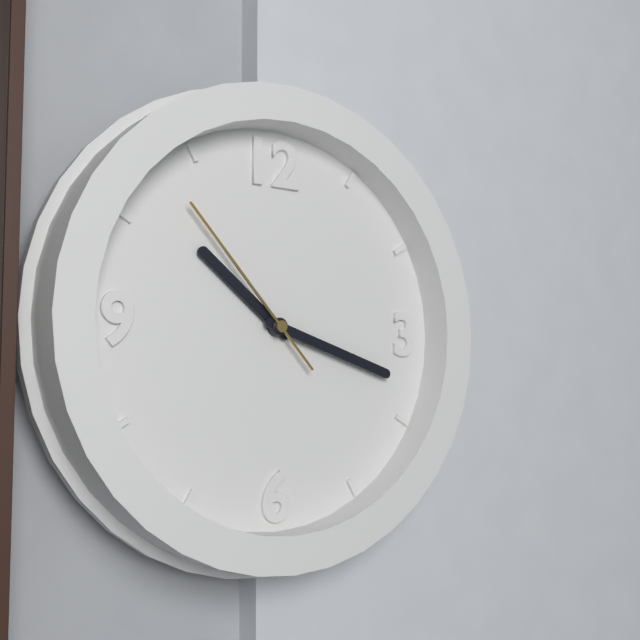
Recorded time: 10:18:53
